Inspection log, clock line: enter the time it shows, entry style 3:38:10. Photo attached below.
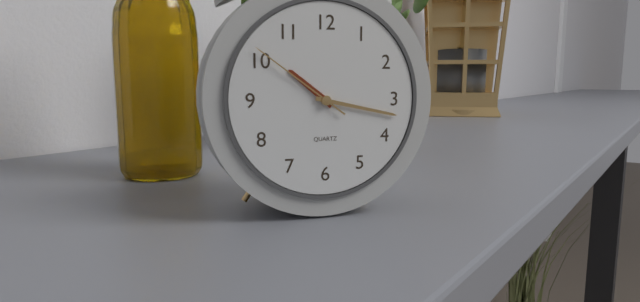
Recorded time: 10:17:51
